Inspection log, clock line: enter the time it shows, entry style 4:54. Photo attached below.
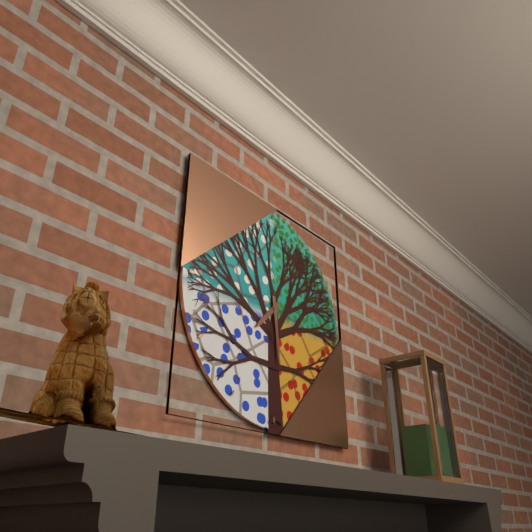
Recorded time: 7:29
